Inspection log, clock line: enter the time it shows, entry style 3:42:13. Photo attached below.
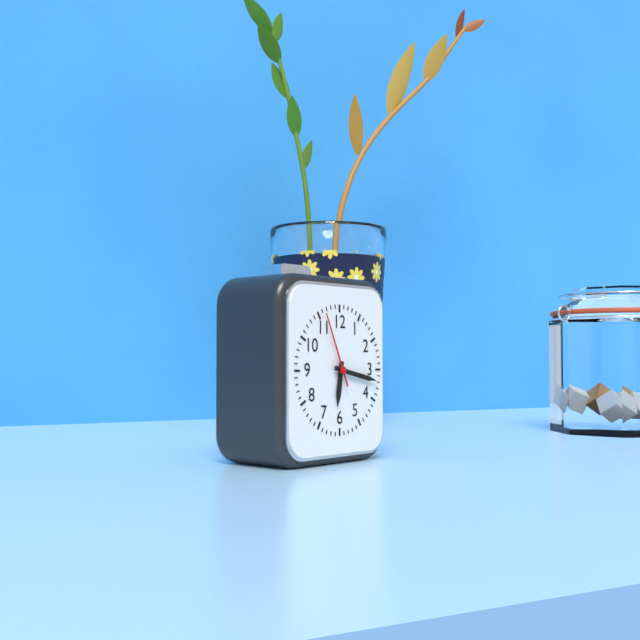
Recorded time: 6:17:56
